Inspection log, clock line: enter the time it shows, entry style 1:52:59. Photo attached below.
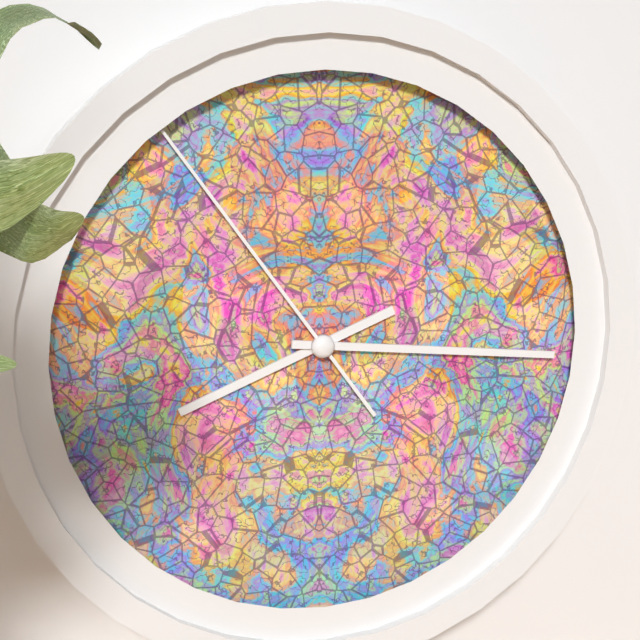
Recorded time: 8:16:54
